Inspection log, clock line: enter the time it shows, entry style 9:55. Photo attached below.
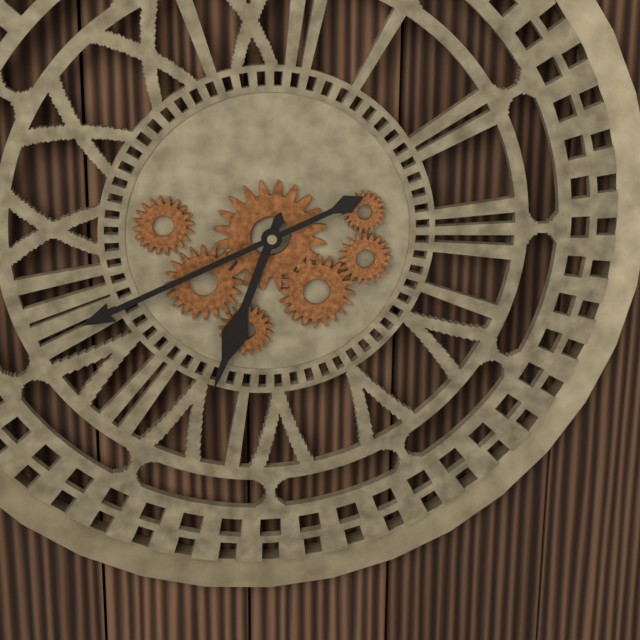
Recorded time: 6:41
